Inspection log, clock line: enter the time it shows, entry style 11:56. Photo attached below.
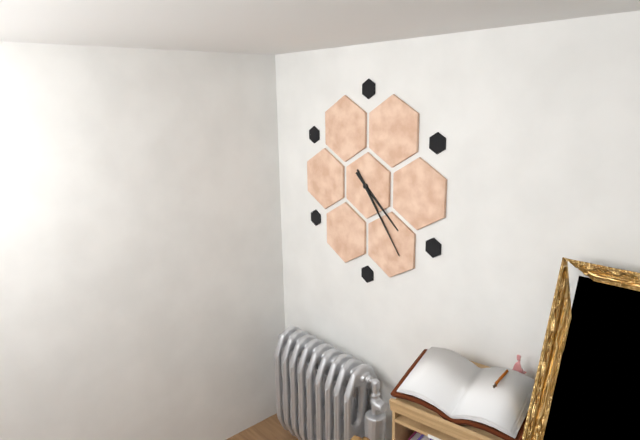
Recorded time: 4:24
